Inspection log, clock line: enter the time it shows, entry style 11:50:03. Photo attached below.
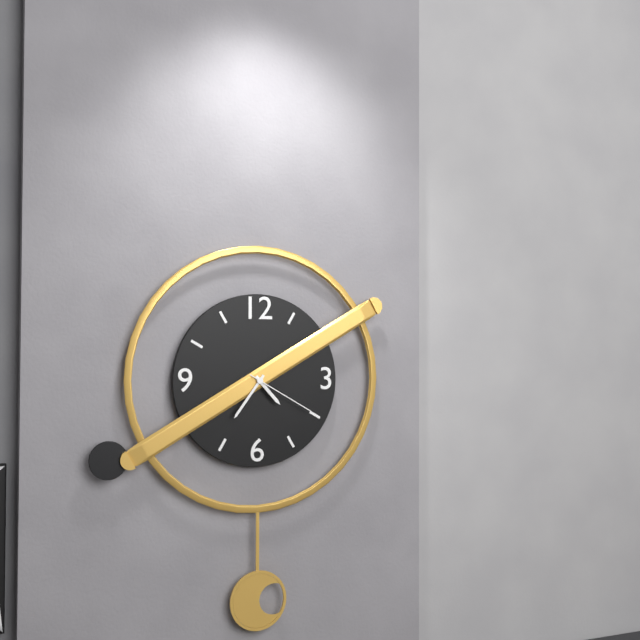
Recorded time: 4:36:20
